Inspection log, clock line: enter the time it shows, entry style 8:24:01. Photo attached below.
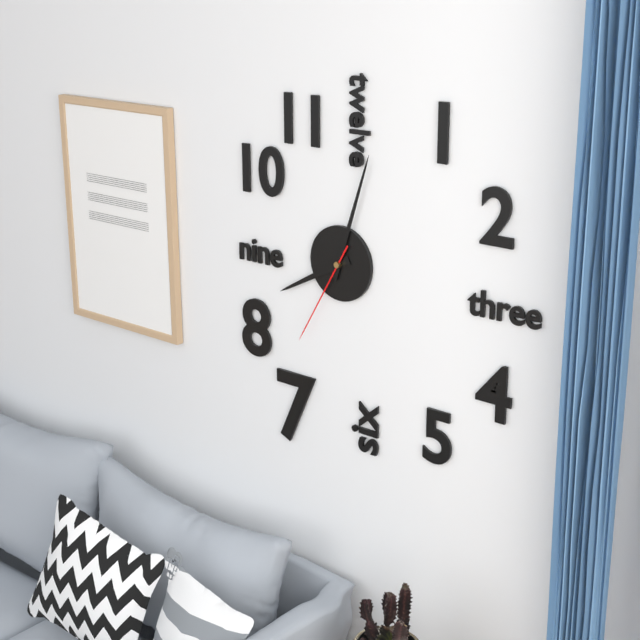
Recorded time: 8:03:35
